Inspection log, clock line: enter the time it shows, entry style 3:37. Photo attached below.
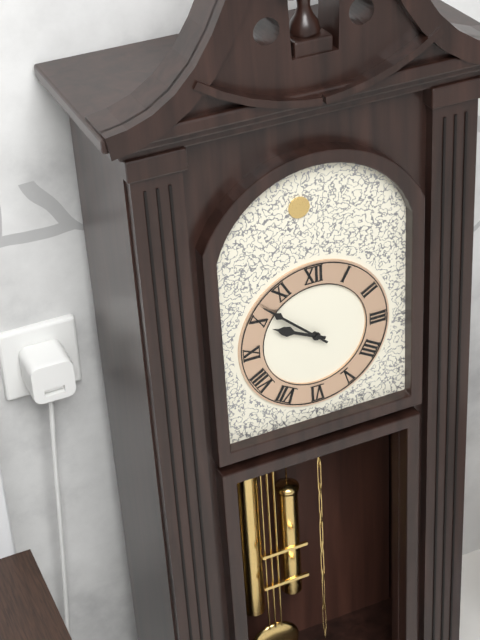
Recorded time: 9:52
